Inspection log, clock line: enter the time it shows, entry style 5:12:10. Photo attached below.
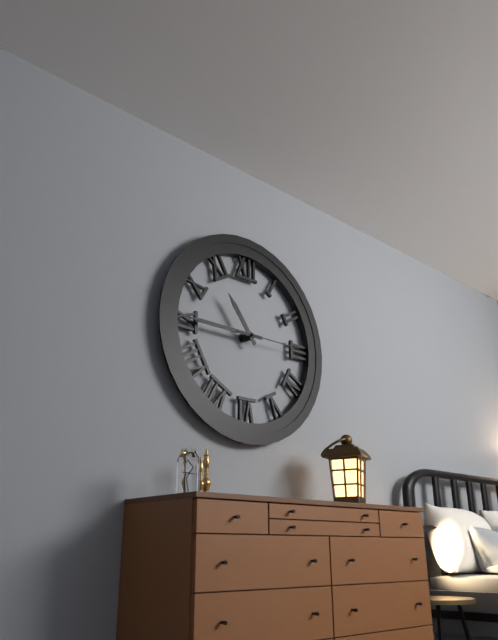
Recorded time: 10:45:15
